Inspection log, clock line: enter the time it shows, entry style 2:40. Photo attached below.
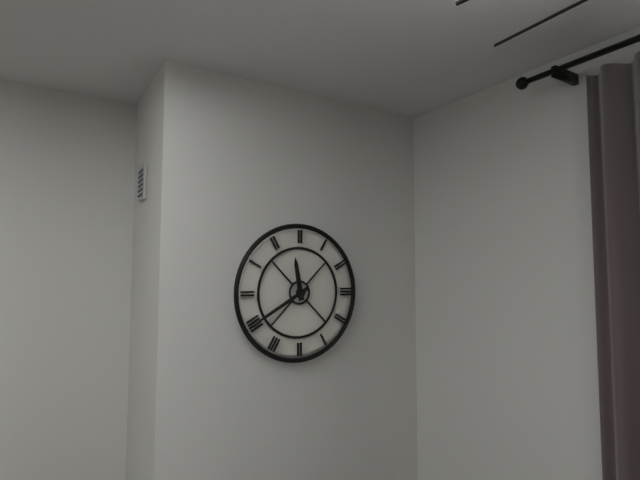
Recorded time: 11:40
